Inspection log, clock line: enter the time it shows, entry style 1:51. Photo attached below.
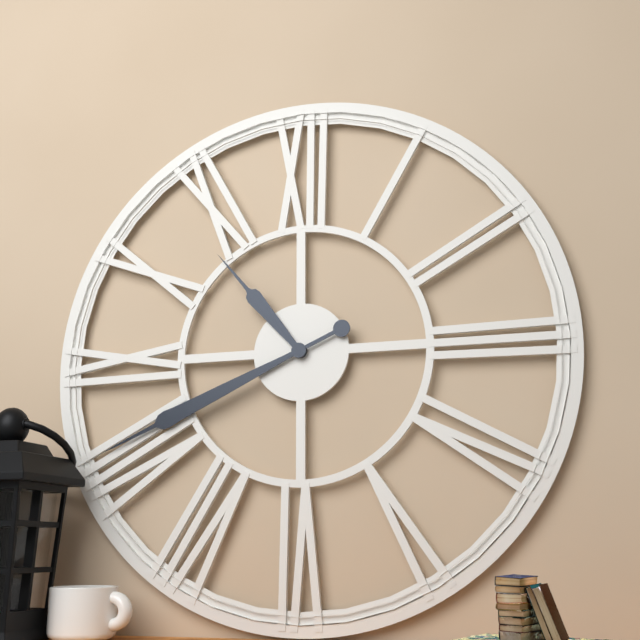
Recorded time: 10:41
